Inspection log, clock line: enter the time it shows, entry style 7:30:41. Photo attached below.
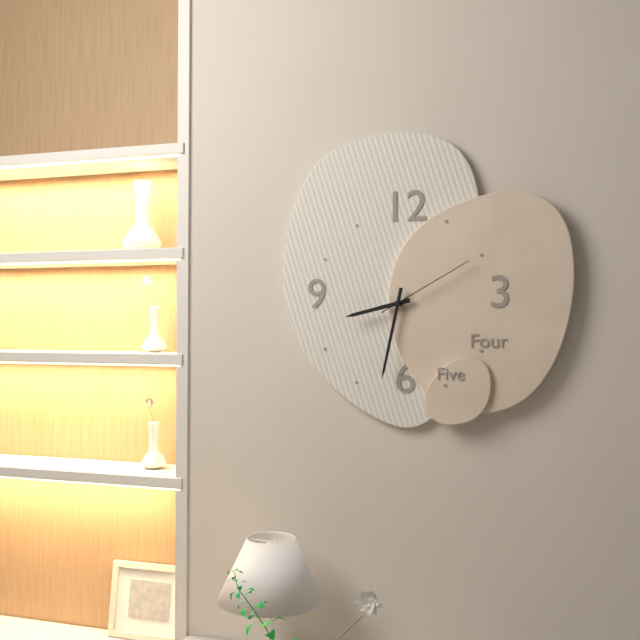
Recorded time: 8:32:10
